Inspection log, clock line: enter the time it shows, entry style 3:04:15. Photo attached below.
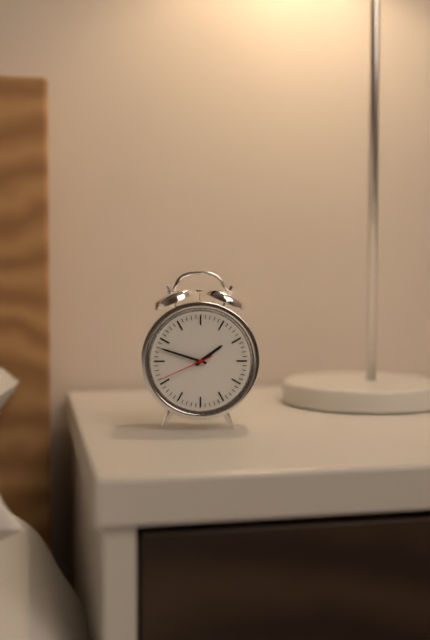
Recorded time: 1:48:41
